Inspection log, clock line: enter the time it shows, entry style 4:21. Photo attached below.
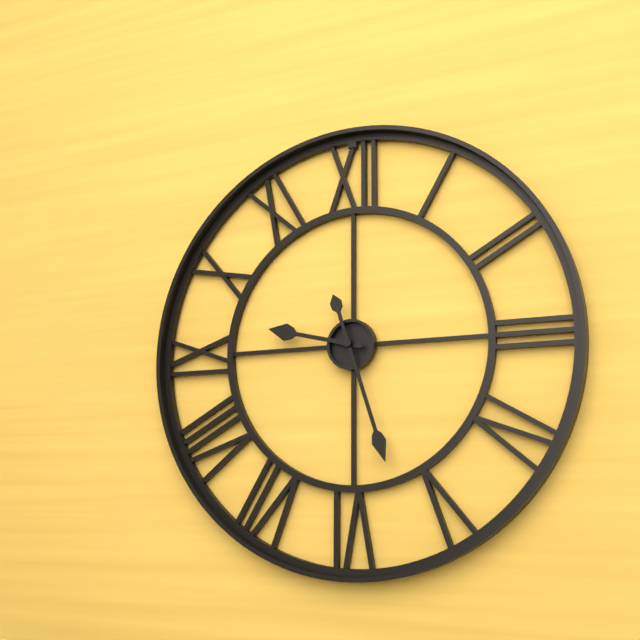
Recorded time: 9:27
